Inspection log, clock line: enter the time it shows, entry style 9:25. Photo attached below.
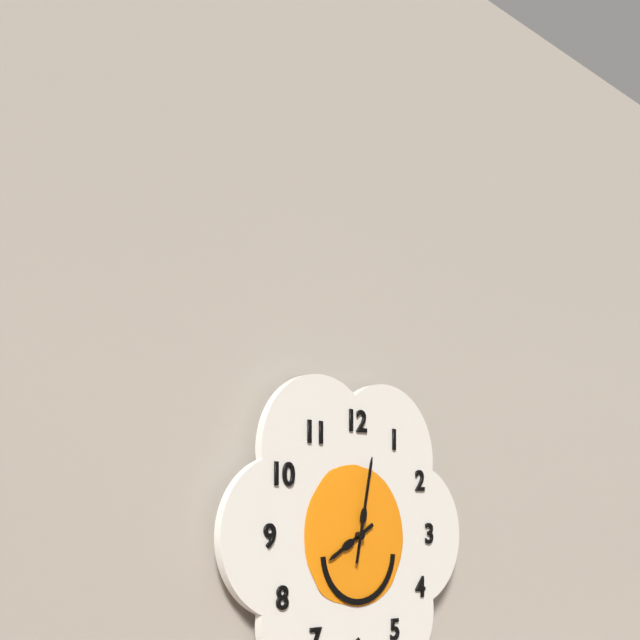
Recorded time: 8:02
